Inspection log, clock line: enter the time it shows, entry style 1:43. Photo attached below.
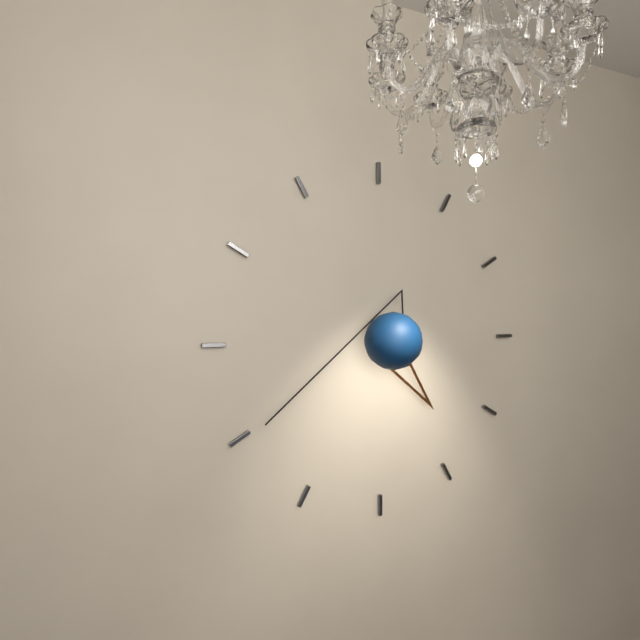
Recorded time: 4:40
